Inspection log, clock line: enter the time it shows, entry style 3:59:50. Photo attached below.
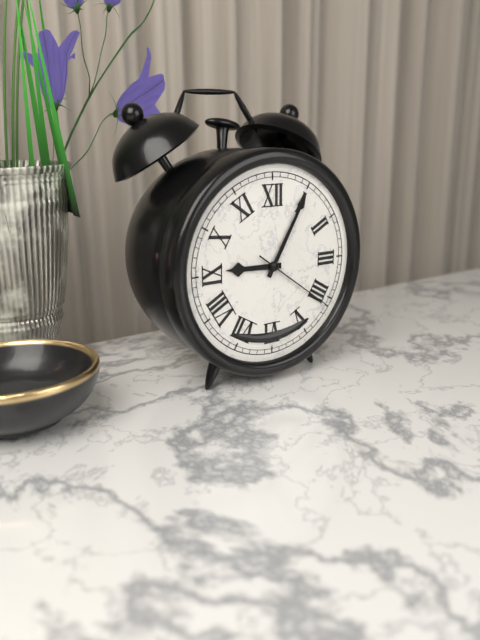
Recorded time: 9:05:21
